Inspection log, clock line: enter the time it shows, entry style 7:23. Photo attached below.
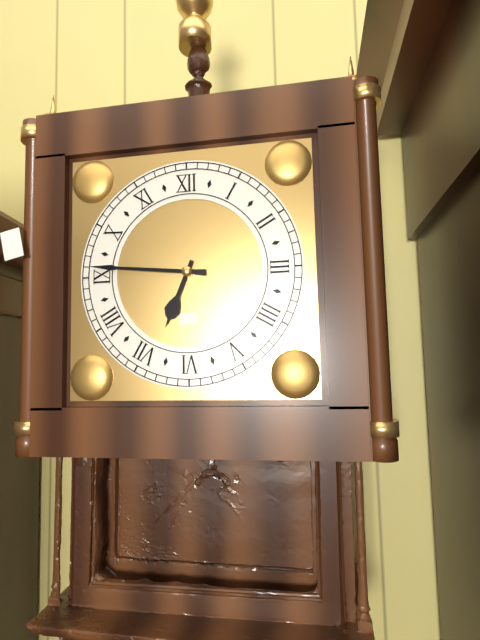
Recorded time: 6:46
